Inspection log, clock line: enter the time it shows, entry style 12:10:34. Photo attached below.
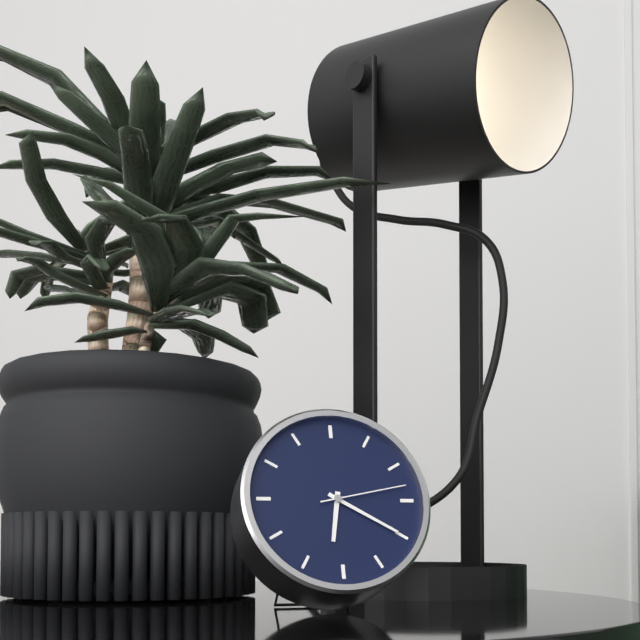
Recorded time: 6:20:13
